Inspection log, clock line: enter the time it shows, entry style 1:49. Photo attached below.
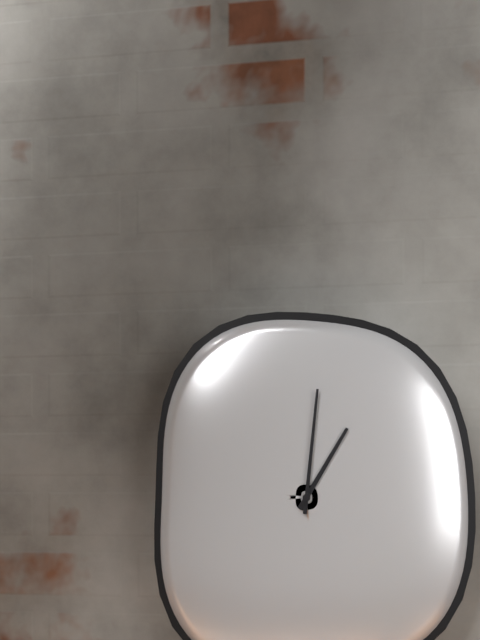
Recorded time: 1:01
